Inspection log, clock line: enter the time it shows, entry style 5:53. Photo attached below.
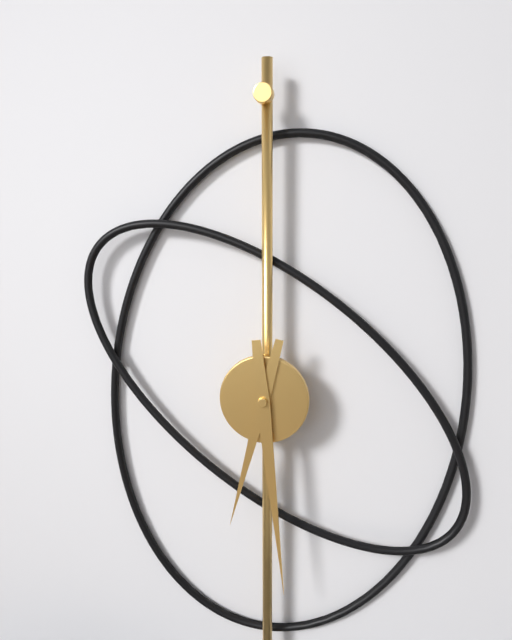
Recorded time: 6:29
